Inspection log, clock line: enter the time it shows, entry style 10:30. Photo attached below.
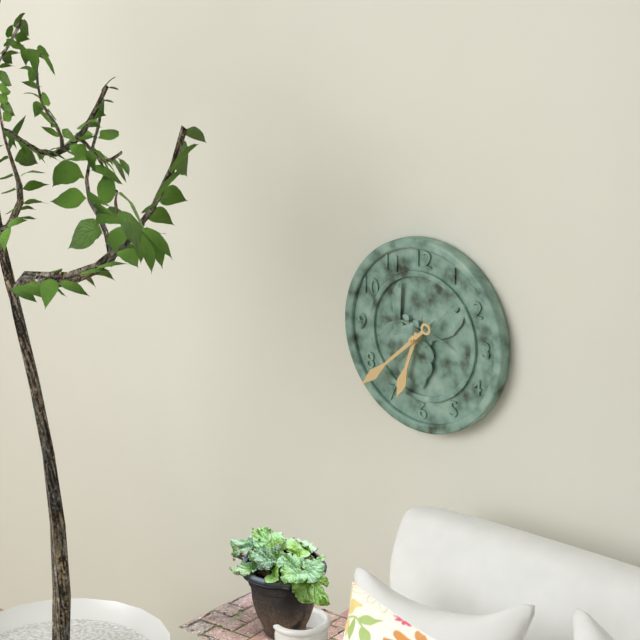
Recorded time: 6:38
